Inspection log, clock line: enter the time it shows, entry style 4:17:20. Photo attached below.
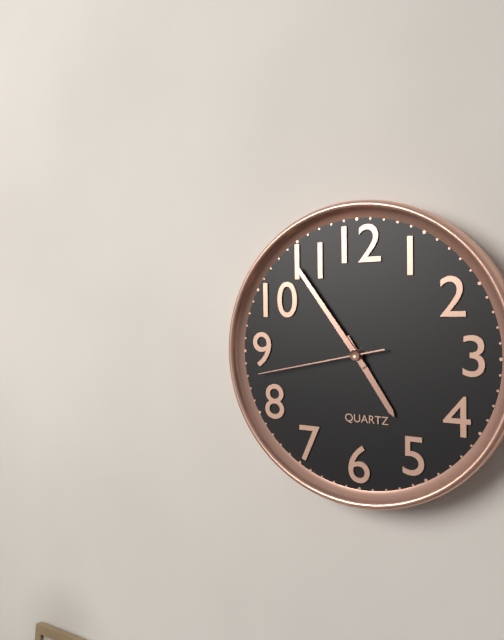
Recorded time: 4:54:43
